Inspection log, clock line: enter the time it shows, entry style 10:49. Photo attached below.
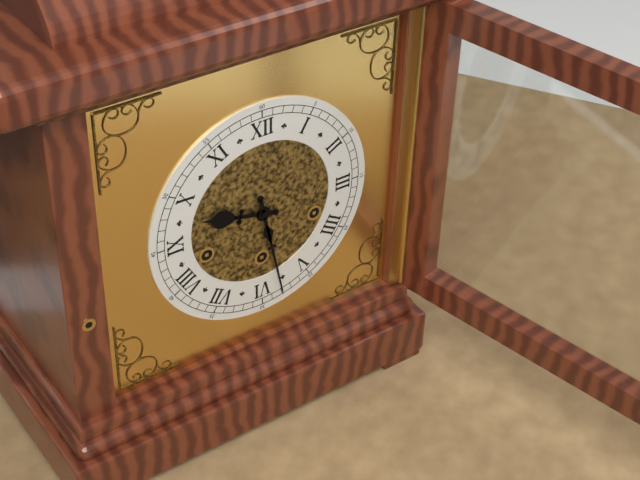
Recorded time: 9:28
